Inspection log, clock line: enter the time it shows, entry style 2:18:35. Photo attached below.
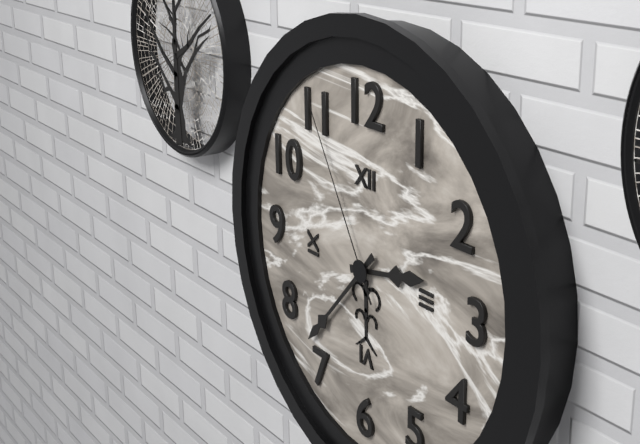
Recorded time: 2:37:55
